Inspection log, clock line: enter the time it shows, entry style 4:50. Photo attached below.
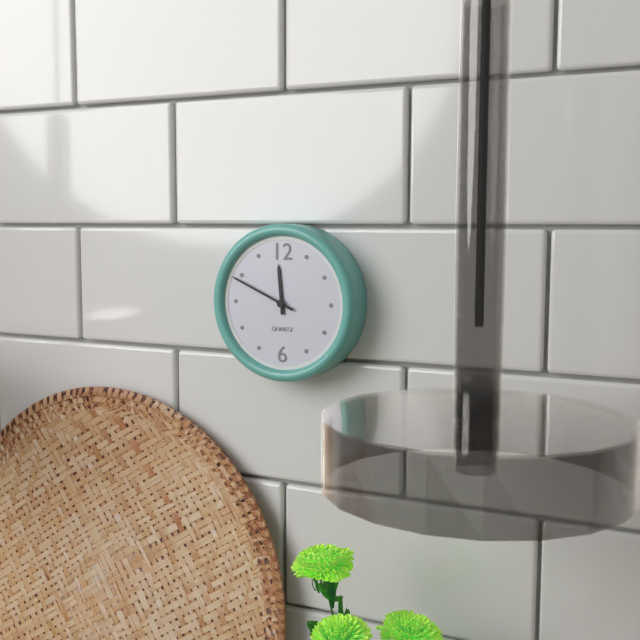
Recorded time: 11:49
